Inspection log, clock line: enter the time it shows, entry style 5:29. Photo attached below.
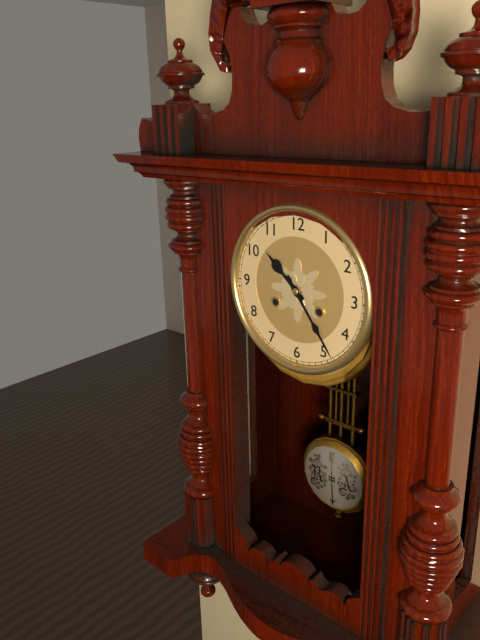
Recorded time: 10:24
